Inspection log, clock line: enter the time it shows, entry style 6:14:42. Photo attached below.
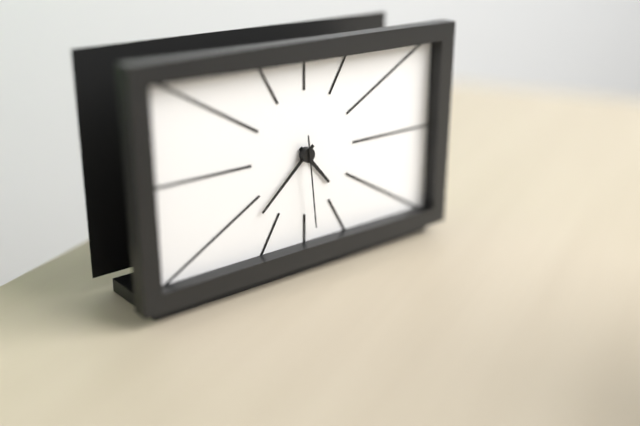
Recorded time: 4:38:29
